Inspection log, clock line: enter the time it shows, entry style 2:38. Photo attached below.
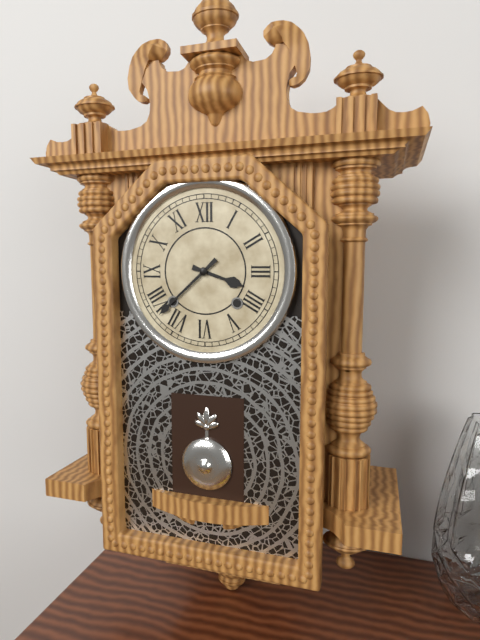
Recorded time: 3:38
